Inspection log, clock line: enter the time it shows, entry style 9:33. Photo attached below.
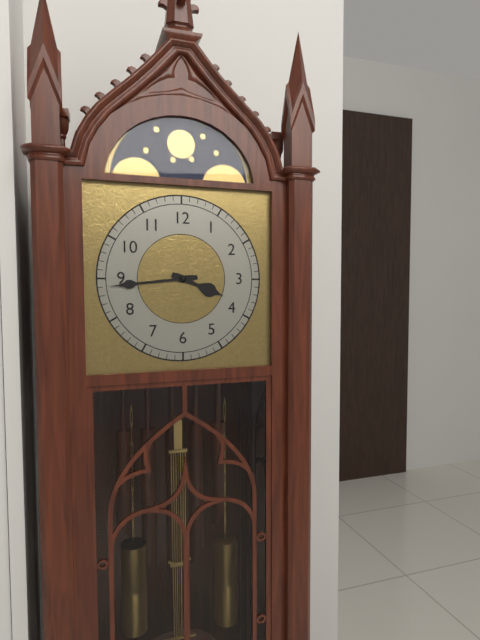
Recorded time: 3:44
